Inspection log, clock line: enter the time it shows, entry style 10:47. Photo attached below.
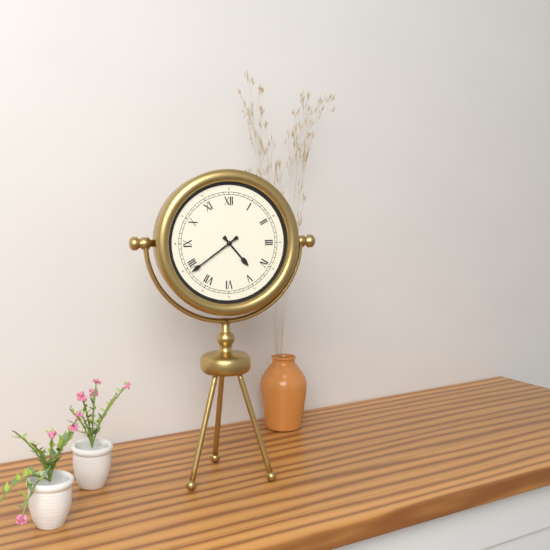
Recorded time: 4:39
